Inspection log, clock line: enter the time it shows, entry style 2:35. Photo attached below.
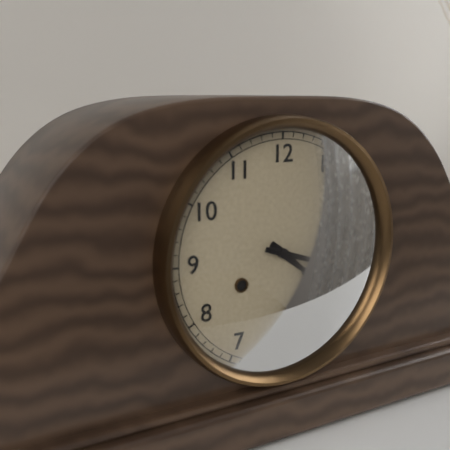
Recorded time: 4:18
